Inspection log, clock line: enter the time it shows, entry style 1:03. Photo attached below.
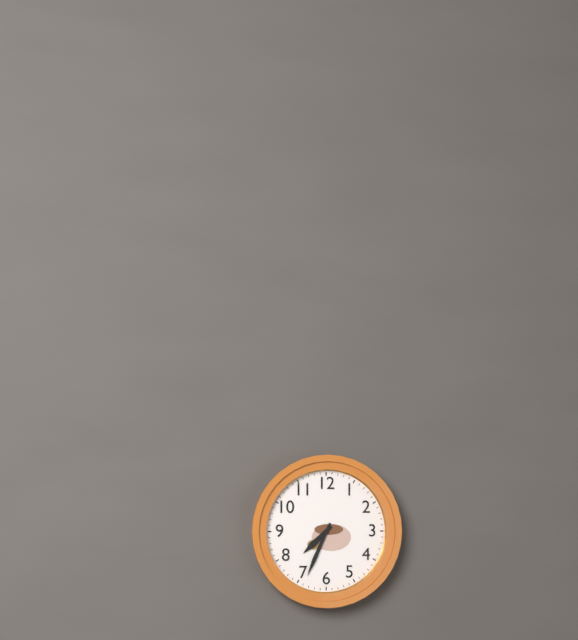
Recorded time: 7:34
